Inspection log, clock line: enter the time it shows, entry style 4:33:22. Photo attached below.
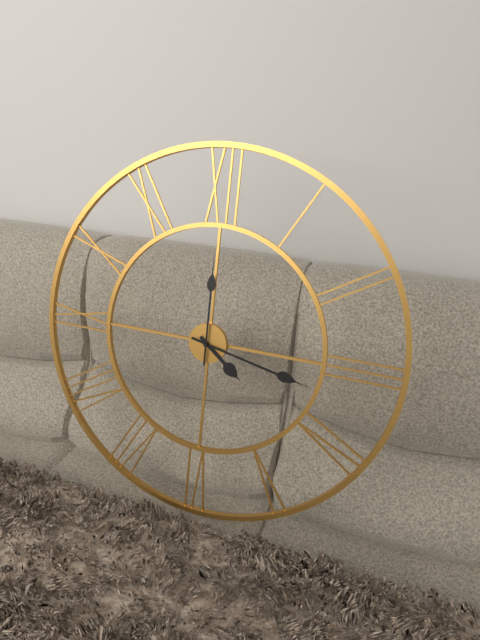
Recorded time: 4:17:00
